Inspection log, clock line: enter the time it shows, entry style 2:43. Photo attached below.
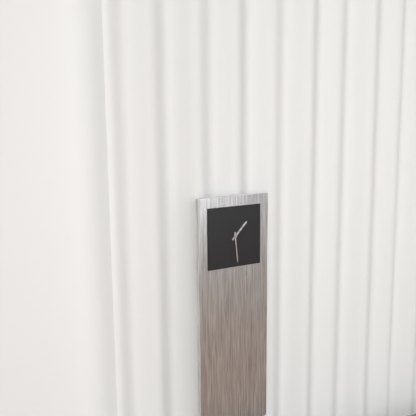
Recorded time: 1:29
